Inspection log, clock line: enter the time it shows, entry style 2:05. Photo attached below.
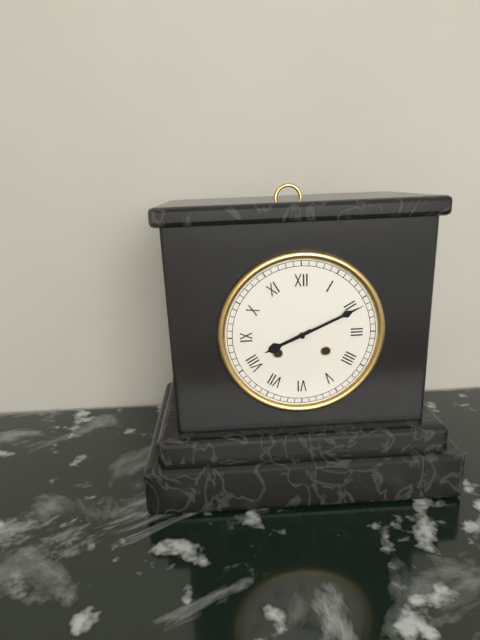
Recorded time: 8:11
